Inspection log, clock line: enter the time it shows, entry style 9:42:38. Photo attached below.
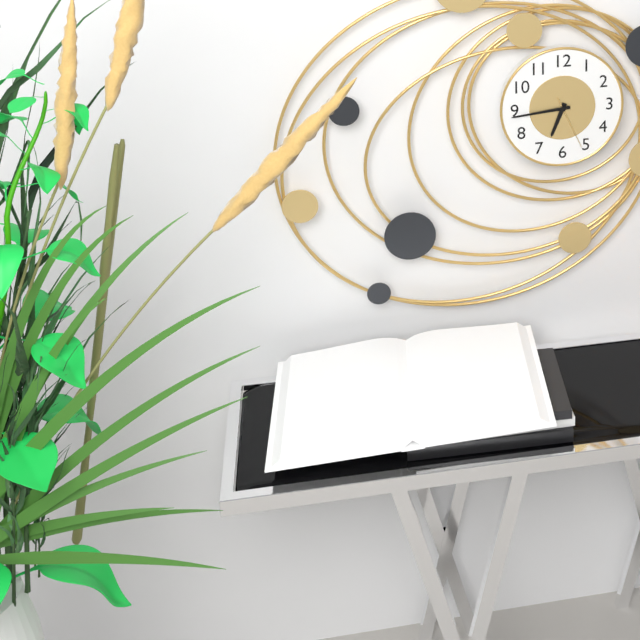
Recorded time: 6:44:26
